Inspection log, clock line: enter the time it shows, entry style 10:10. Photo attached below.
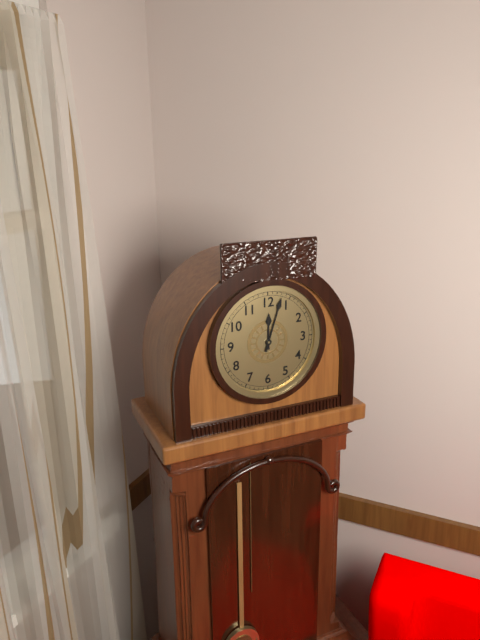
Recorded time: 12:03
